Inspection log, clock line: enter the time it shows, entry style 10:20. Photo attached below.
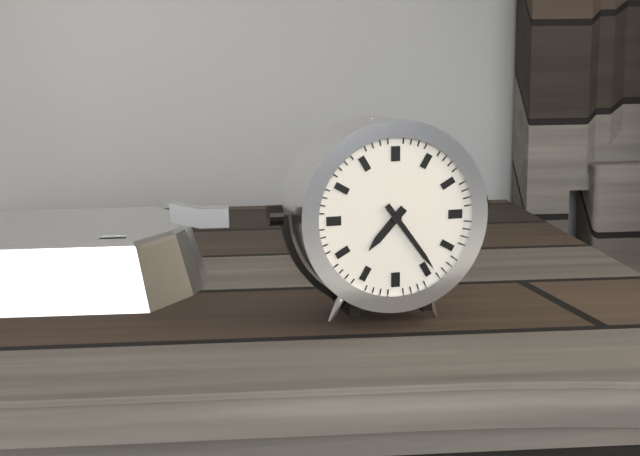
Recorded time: 7:24
